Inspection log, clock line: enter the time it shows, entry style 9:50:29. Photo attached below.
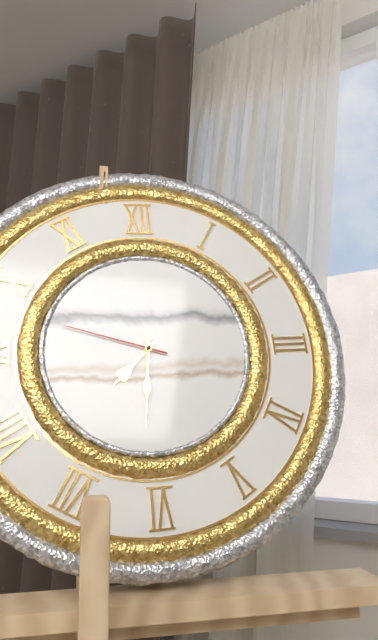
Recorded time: 7:31:48
